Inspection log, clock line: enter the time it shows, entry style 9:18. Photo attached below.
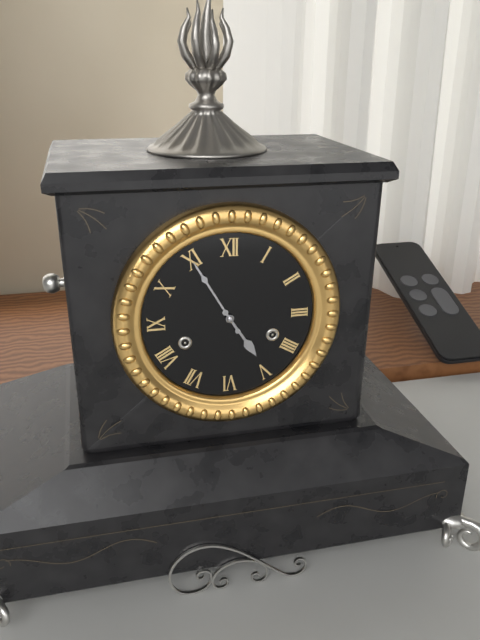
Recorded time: 4:55
